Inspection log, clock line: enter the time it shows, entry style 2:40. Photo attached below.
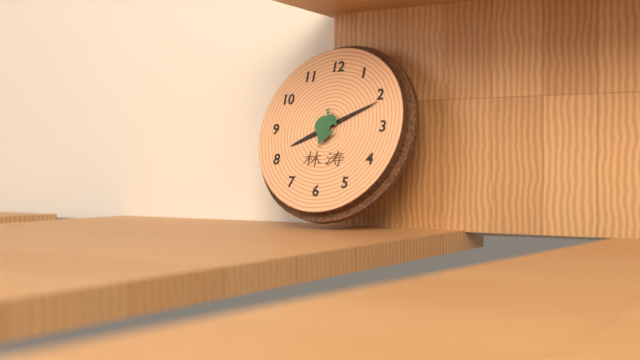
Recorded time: 8:11
